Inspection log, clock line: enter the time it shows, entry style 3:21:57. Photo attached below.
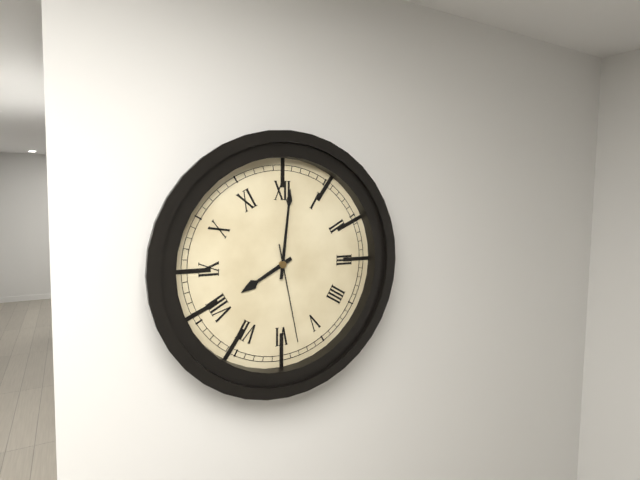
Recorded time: 8:01:28
